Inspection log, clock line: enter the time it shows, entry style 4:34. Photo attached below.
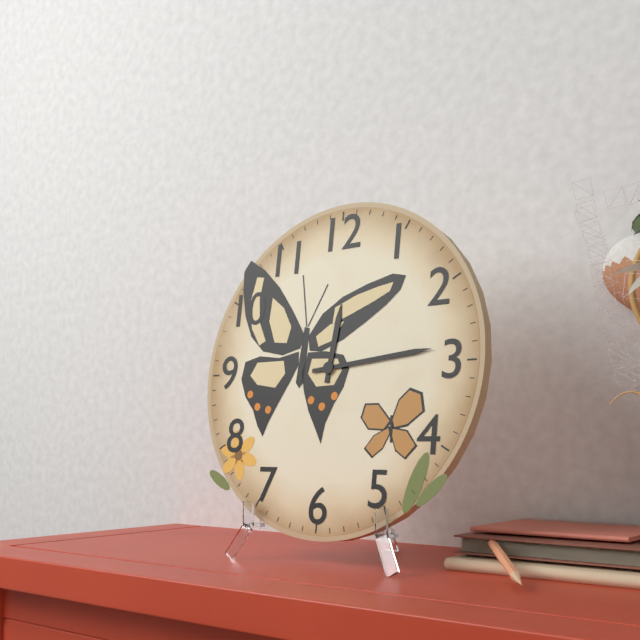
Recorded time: 12:14
